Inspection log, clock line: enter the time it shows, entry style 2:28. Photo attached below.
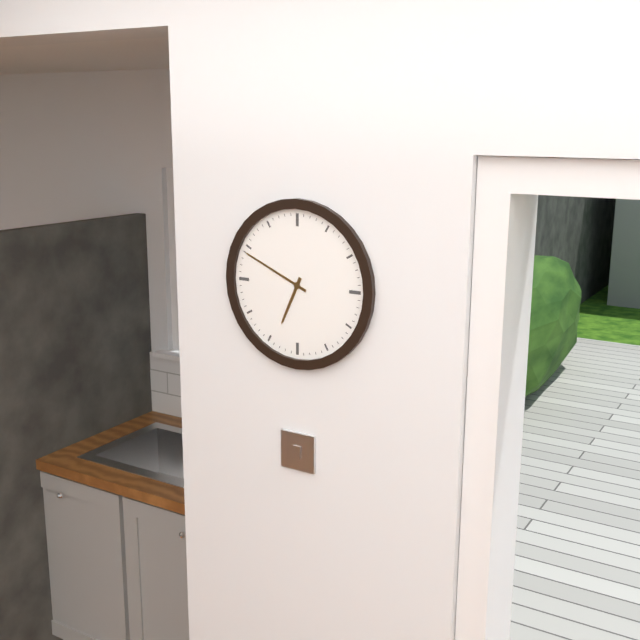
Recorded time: 6:49
